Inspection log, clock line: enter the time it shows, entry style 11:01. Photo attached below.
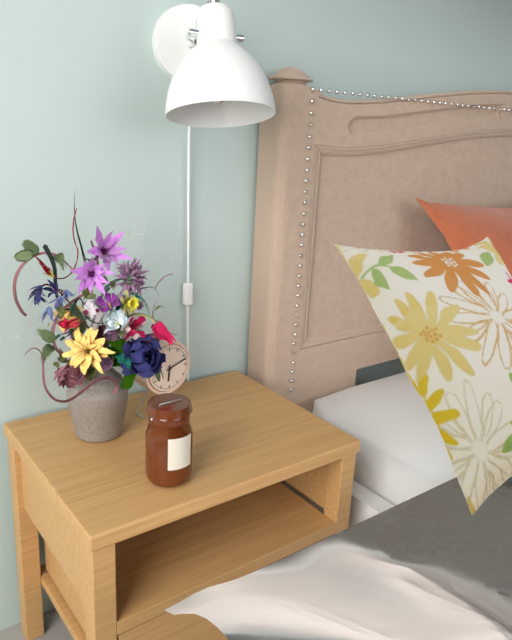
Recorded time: 6:12
